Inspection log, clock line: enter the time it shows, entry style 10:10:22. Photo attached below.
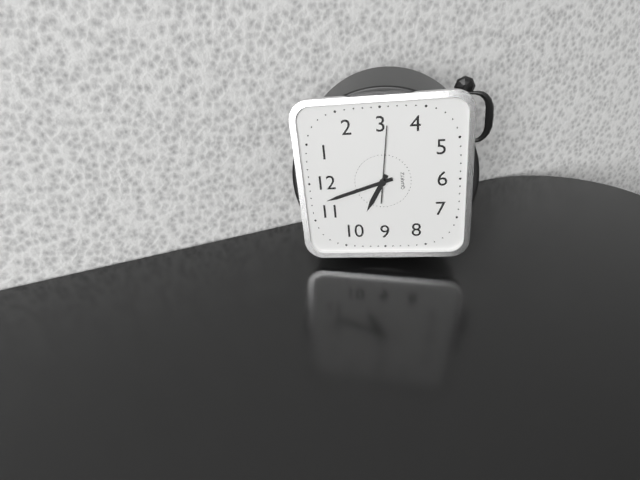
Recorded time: 9:57:16
